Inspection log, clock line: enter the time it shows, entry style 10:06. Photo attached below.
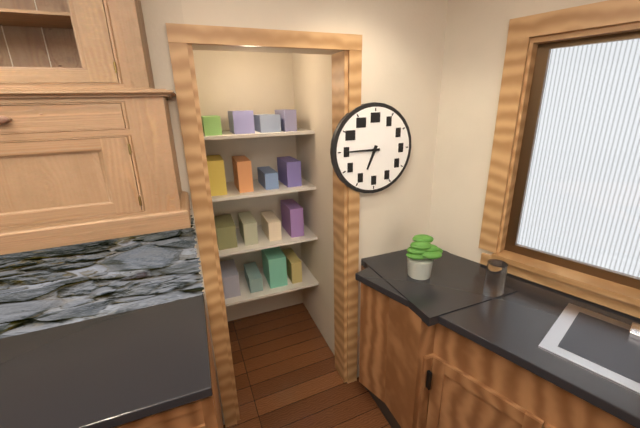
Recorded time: 6:45
